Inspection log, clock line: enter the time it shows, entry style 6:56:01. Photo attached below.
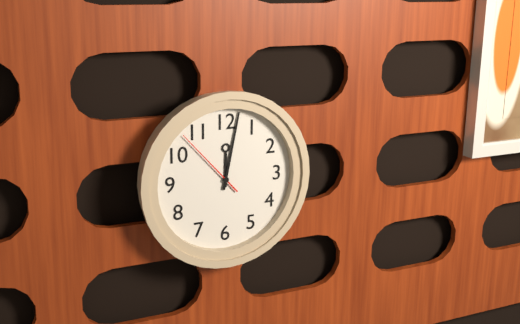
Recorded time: 12:02:53
